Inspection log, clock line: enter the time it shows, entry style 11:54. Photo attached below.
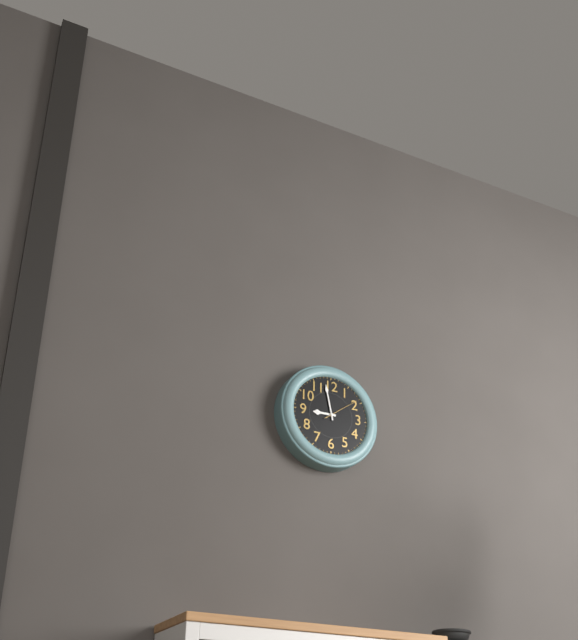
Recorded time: 8:58
